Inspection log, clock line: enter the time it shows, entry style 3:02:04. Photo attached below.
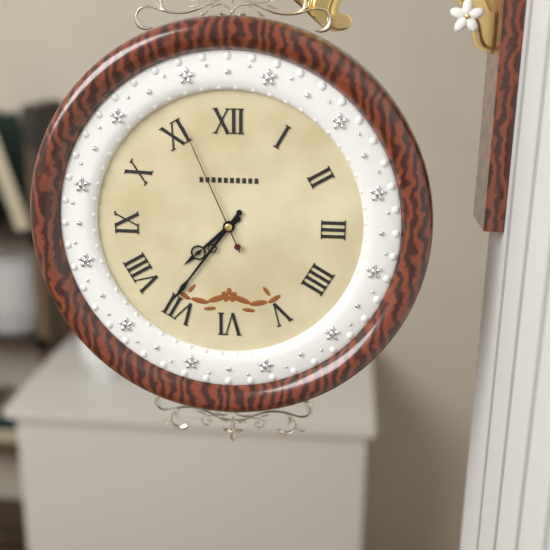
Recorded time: 7:36:56
